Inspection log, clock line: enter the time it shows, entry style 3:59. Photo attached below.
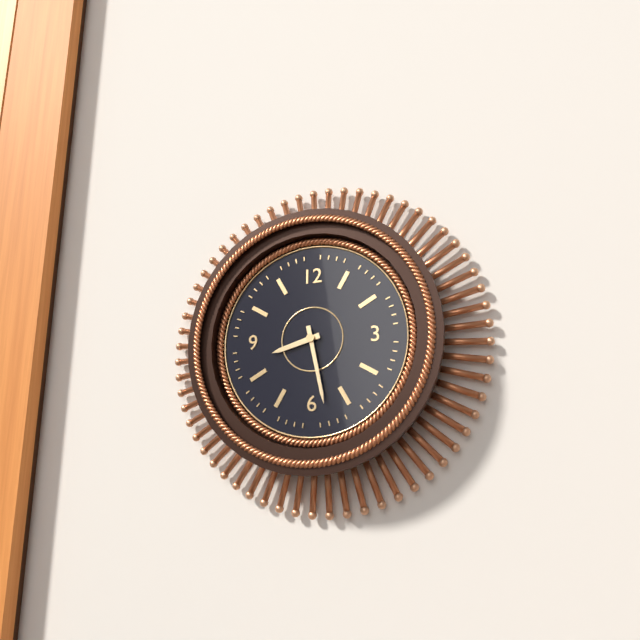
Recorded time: 8:28
